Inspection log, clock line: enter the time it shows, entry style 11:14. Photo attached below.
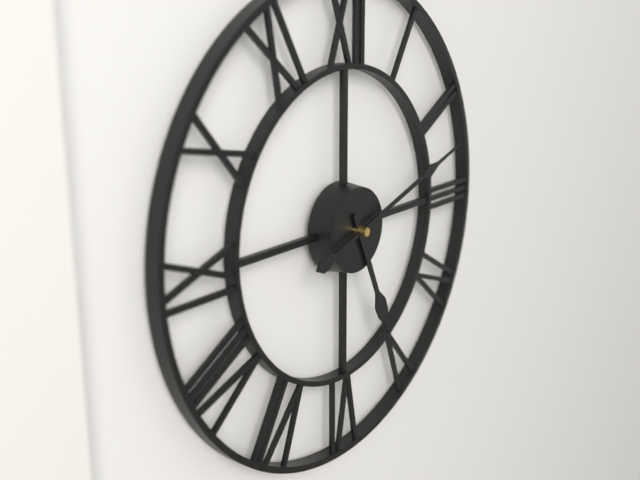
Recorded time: 5:12
